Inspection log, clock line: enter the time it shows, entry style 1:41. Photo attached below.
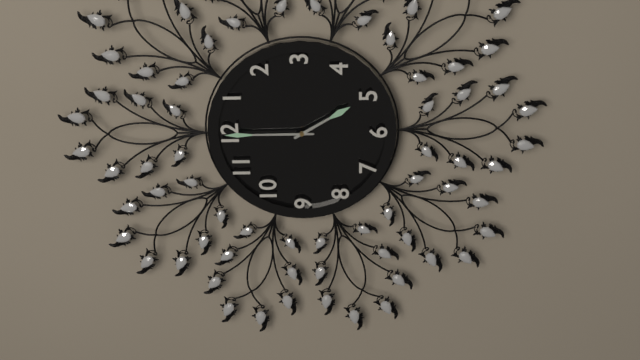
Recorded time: 5:00
